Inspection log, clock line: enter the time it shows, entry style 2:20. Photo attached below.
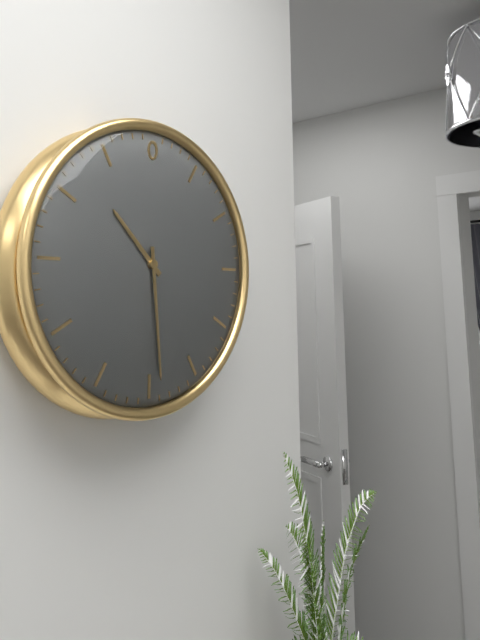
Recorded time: 10:29
